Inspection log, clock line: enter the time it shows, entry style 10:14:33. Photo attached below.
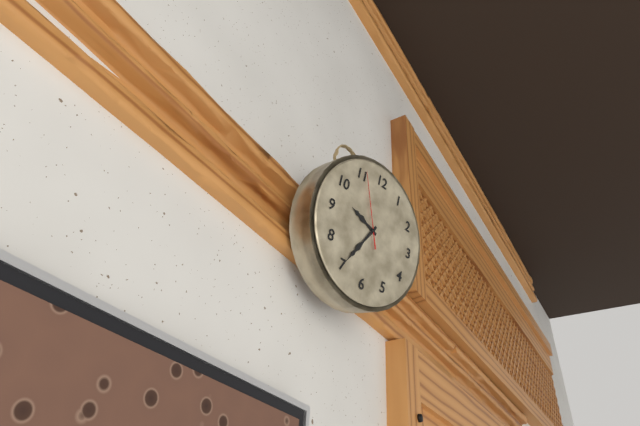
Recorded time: 9:35:56
